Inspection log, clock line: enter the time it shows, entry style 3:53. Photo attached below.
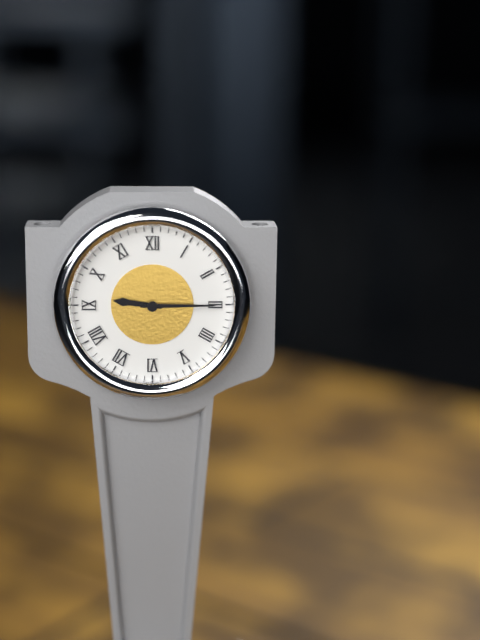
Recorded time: 9:15
